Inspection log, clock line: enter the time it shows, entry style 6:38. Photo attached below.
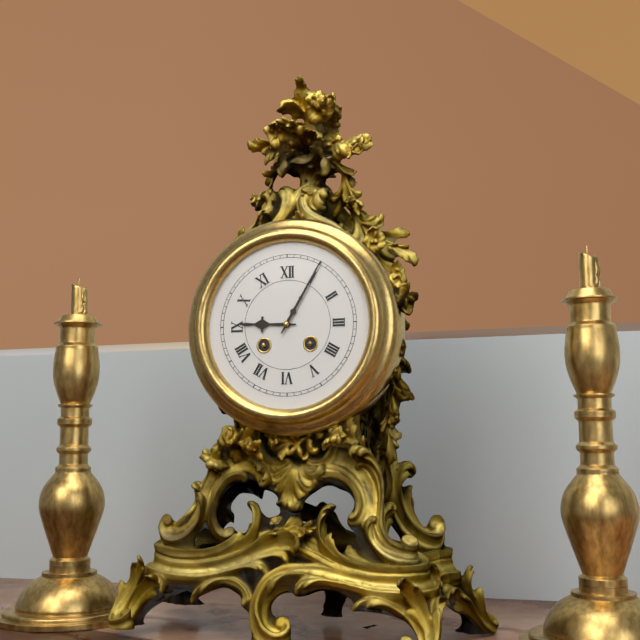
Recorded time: 9:05
